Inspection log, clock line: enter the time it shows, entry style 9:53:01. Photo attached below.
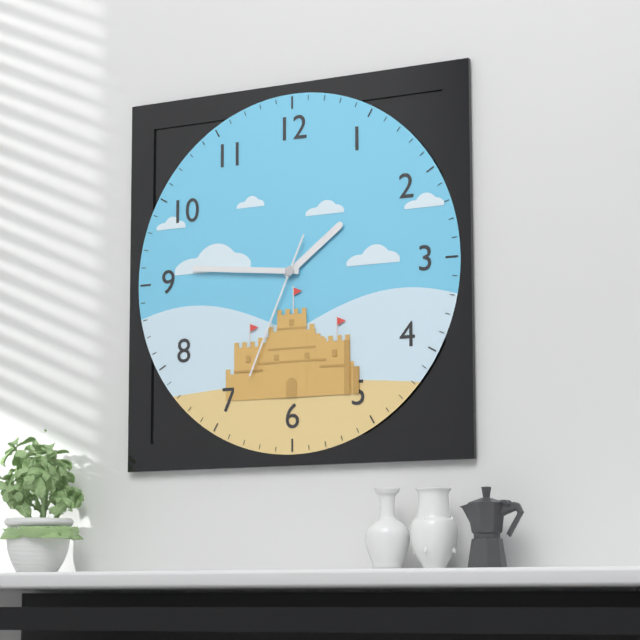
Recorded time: 1:46:34
